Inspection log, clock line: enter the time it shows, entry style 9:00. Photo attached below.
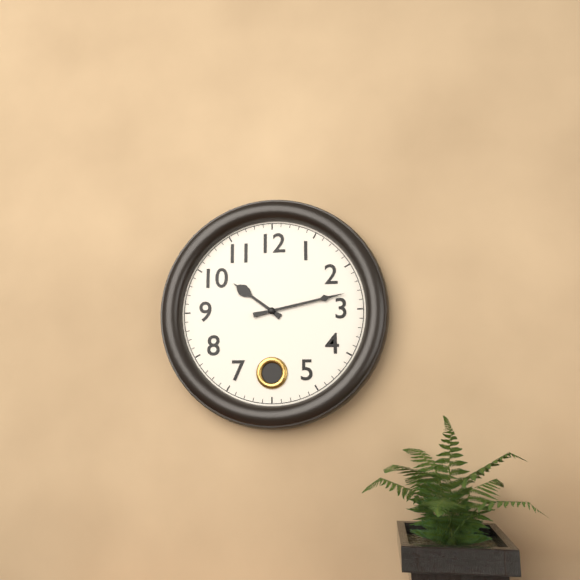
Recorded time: 10:13
